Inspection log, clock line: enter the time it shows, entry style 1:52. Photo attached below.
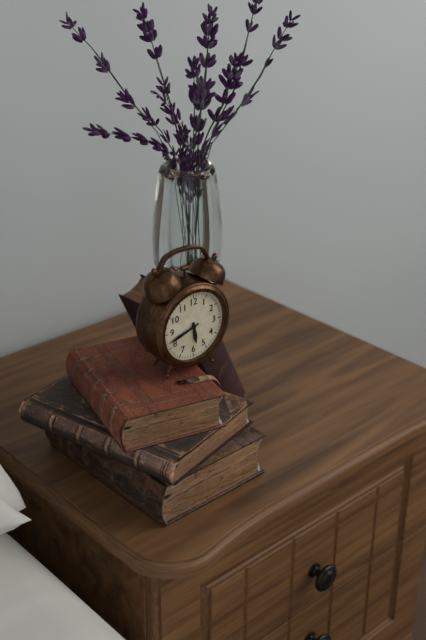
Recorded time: 5:42
